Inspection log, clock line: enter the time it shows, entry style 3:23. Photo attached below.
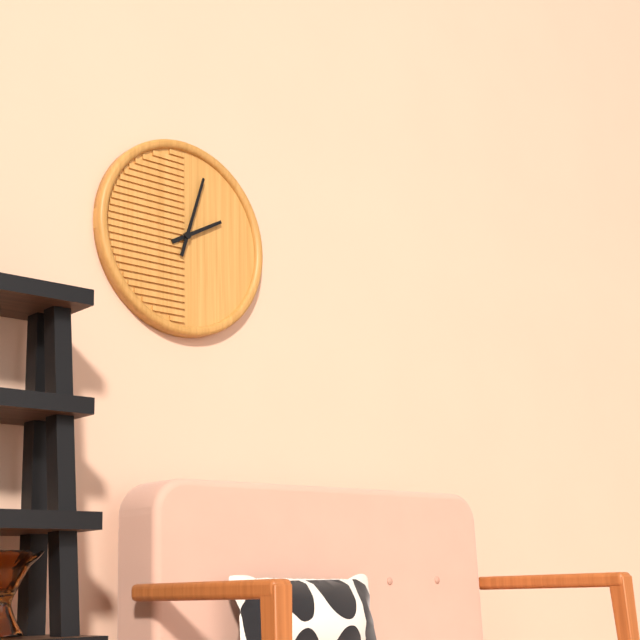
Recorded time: 2:03
